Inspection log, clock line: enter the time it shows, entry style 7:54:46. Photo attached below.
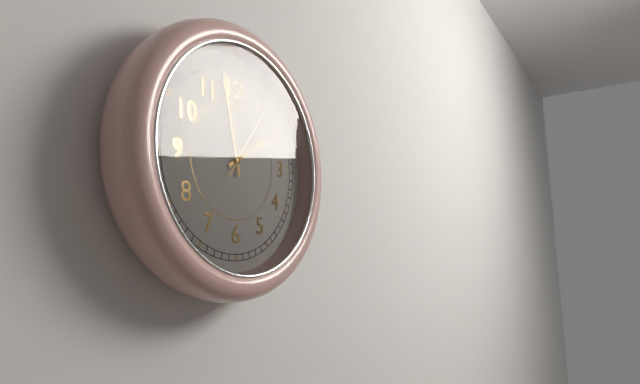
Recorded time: 1:58:06
